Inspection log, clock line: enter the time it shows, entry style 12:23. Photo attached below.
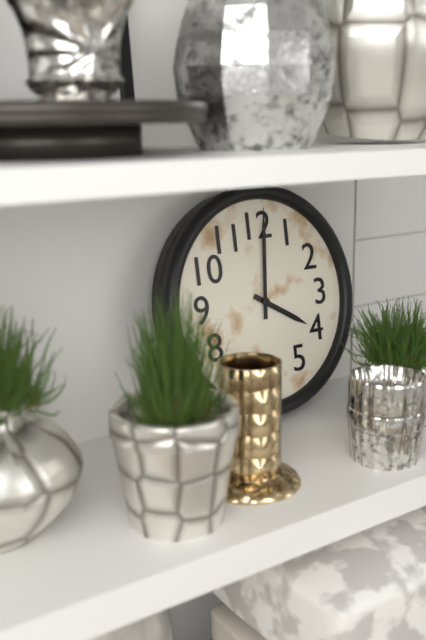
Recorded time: 4:01
